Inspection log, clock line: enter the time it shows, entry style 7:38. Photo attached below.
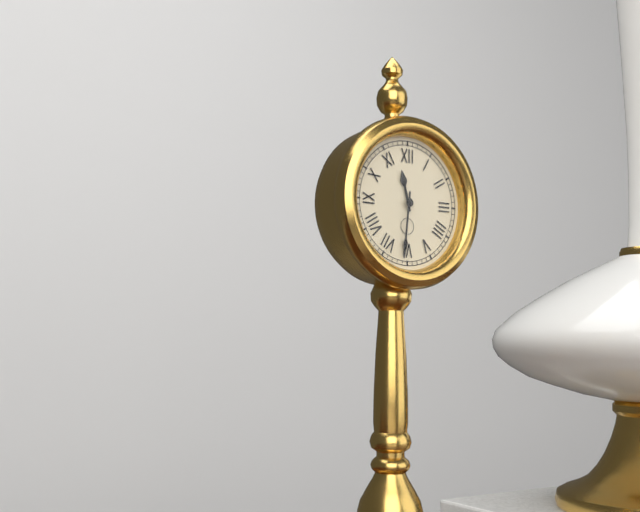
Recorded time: 11:31
